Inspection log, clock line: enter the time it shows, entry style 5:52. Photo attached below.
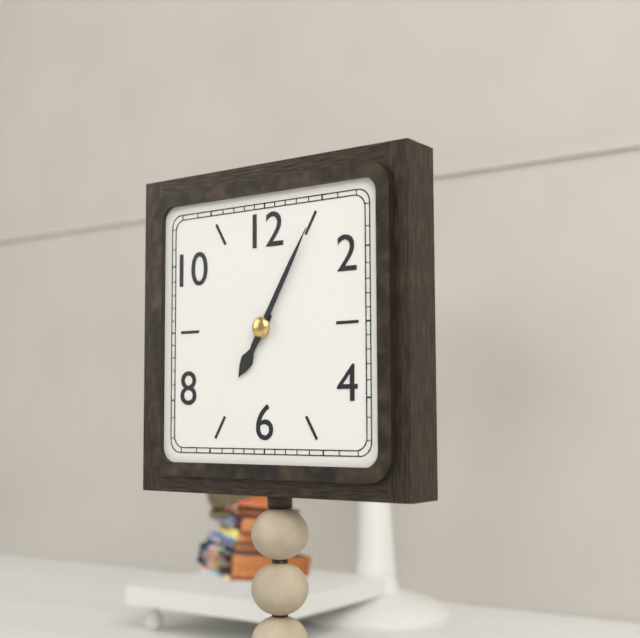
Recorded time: 7:05
